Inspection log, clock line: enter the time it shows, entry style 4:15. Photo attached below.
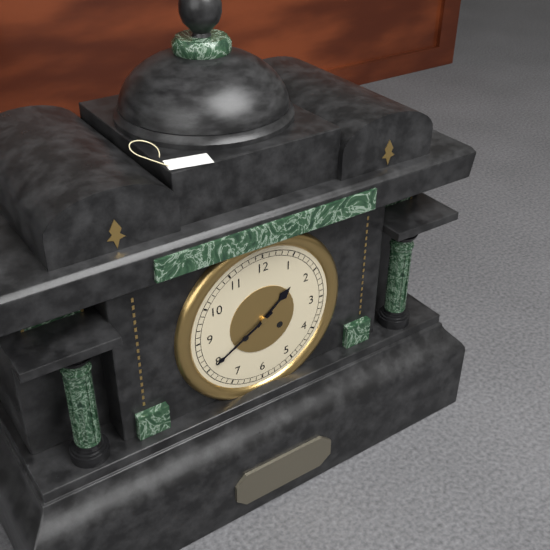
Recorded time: 1:40
